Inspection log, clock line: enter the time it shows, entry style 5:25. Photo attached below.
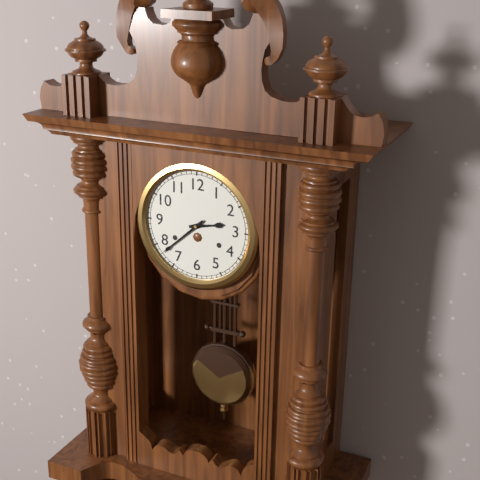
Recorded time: 2:38
